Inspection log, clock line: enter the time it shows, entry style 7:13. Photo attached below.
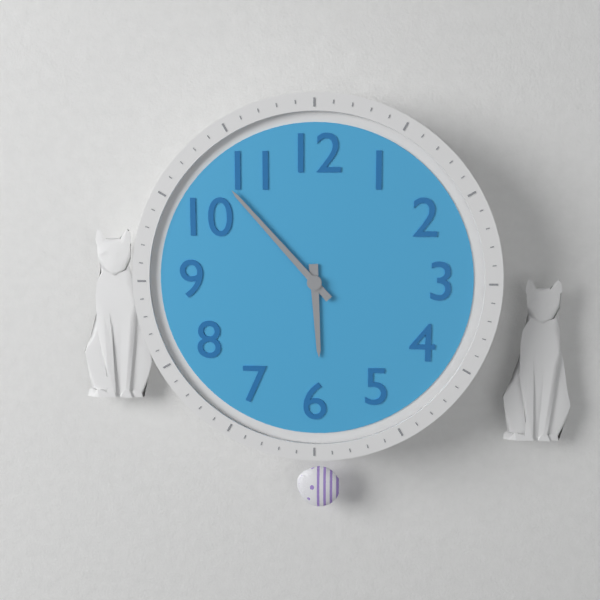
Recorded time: 5:53
